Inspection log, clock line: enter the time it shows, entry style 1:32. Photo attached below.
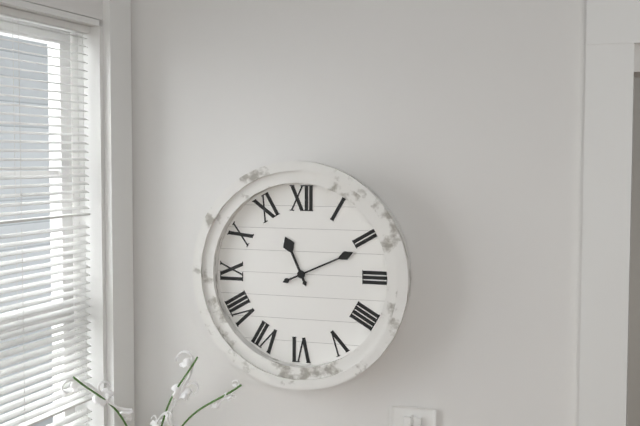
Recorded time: 11:11
